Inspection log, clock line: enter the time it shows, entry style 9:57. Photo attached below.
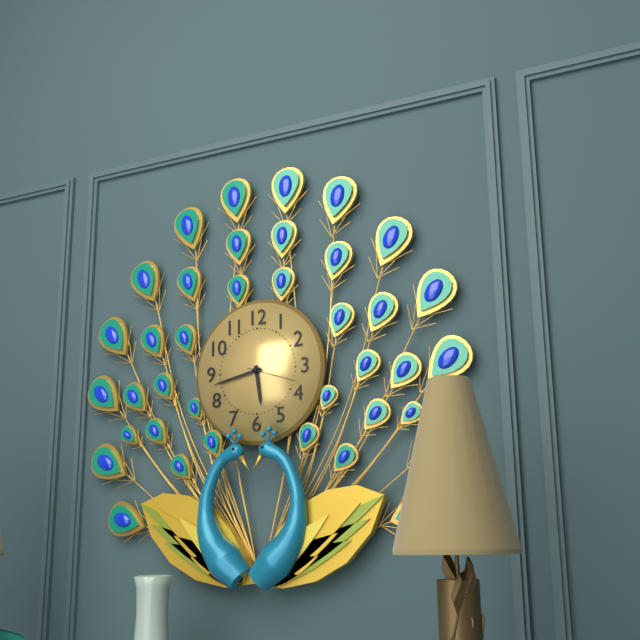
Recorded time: 5:43
